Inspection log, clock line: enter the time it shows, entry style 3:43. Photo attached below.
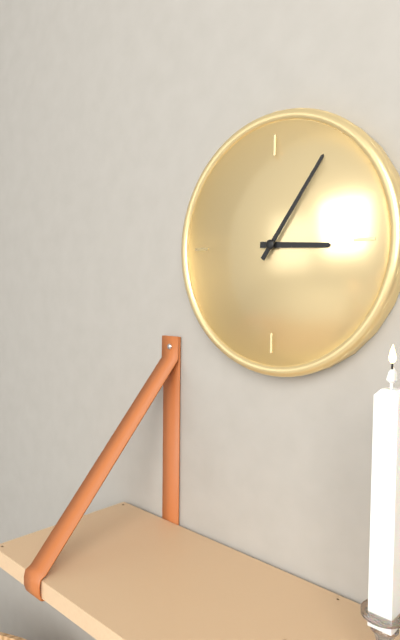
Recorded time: 3:06
